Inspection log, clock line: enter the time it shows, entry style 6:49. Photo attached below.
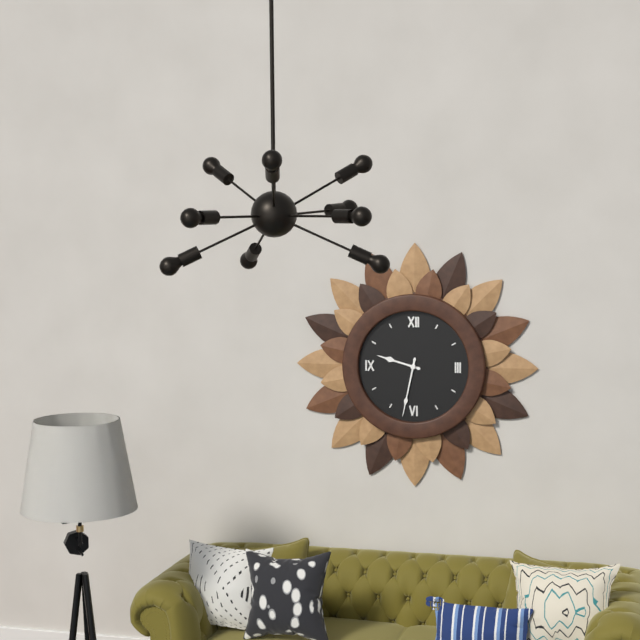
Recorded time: 9:32
